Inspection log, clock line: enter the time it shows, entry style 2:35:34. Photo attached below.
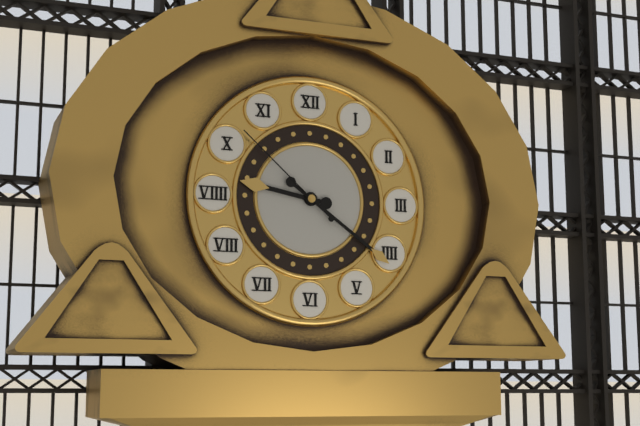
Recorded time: 9:21:52
